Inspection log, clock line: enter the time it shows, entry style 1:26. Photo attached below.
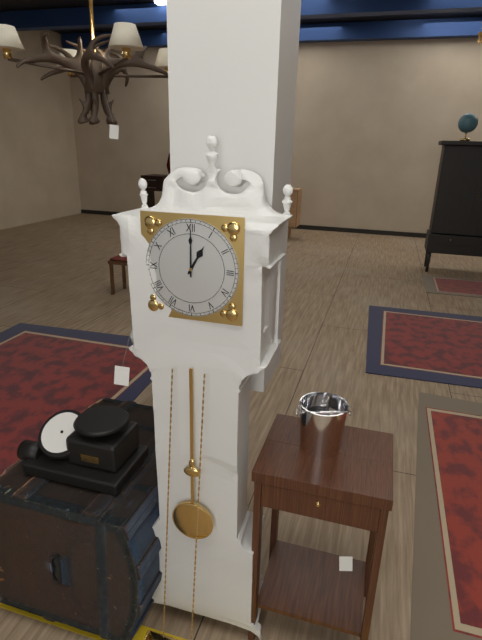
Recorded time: 1:00
